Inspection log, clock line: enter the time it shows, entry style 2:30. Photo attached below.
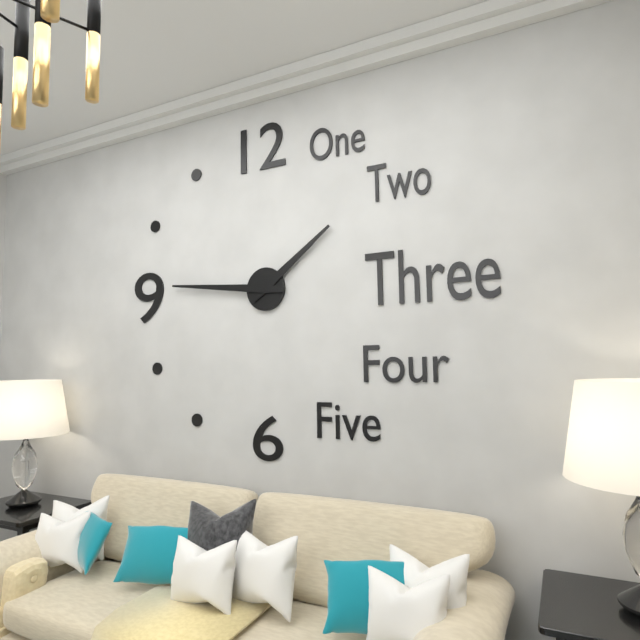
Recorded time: 1:46
